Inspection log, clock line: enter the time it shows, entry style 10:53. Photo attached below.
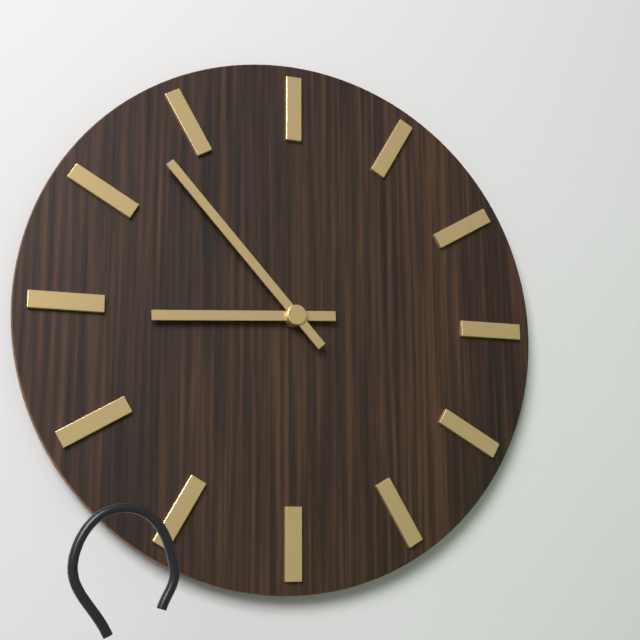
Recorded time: 8:53
